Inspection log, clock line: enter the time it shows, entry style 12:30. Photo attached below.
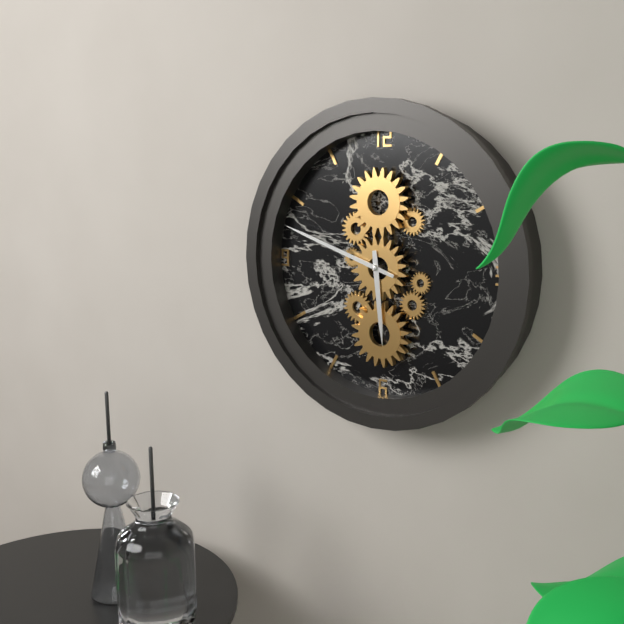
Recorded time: 5:48
